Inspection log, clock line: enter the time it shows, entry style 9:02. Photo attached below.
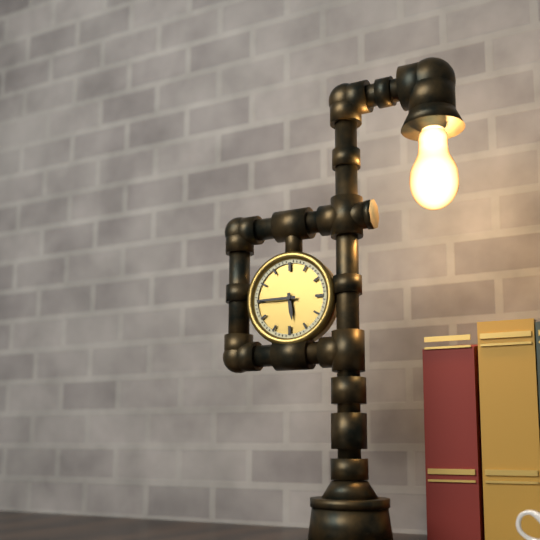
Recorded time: 5:45
